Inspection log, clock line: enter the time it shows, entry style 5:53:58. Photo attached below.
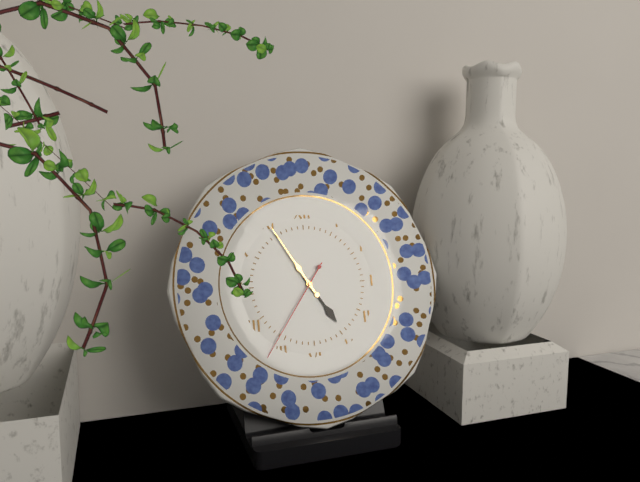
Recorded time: 4:55:36
